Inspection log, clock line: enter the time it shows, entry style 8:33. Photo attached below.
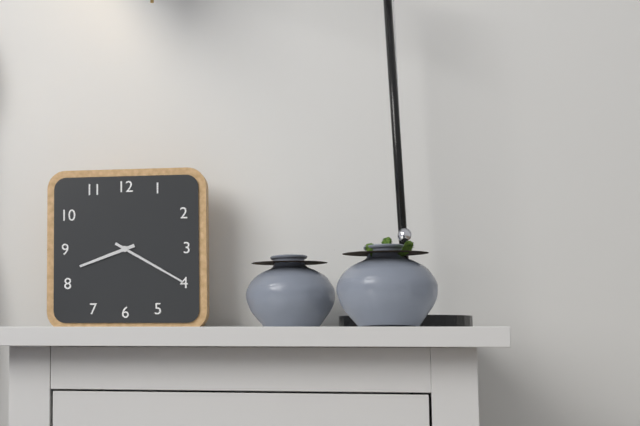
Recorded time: 8:20
